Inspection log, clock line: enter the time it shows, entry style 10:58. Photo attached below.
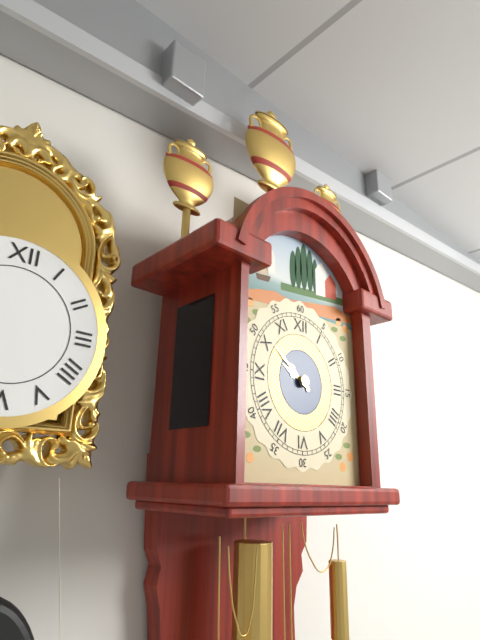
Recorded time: 9:51
